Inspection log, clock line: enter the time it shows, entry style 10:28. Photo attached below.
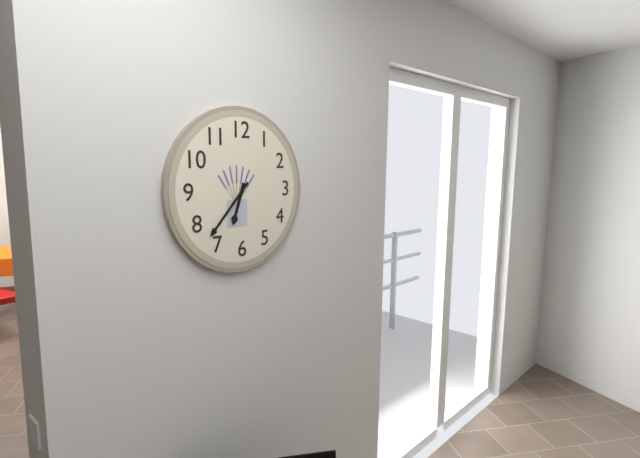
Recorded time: 6:37
